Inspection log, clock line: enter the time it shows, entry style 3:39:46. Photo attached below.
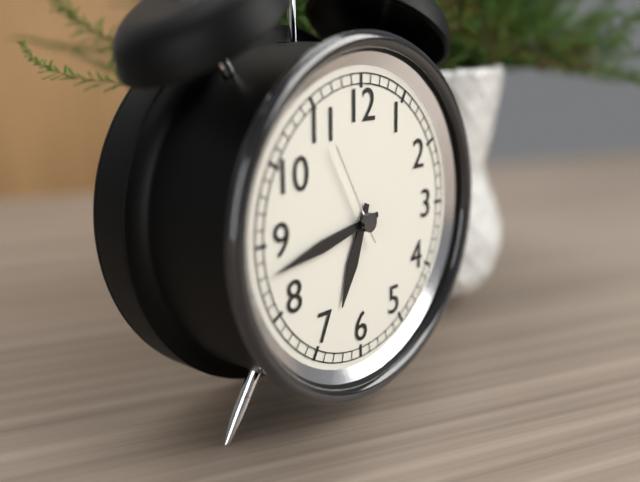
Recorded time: 6:43:55
